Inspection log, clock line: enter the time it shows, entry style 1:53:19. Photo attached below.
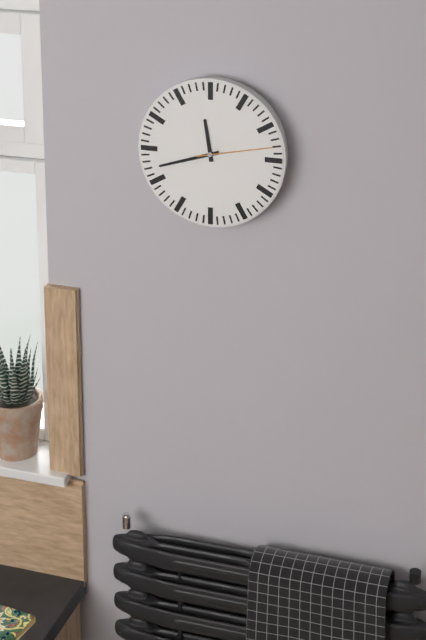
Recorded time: 11:42:13
